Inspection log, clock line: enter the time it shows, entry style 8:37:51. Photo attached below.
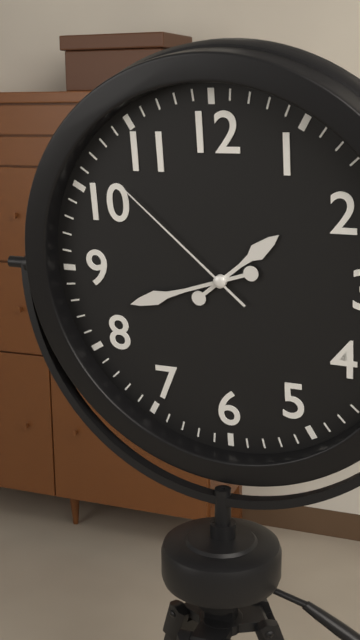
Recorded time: 1:42:52
